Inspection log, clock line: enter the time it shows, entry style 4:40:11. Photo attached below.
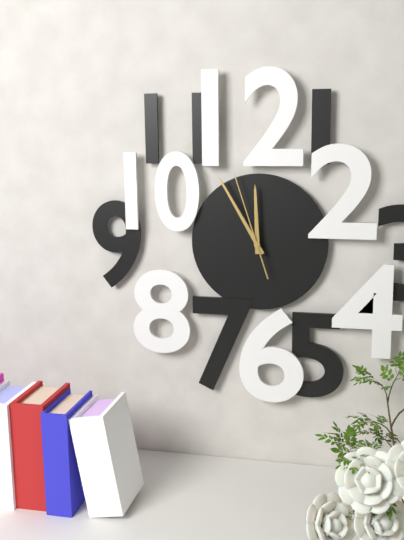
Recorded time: 11:55:57
